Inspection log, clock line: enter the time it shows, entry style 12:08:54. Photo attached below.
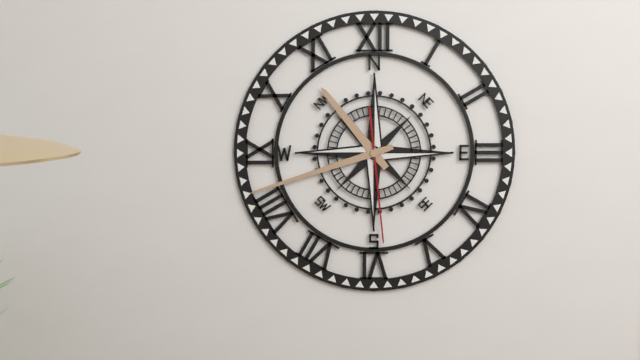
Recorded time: 10:42:29
